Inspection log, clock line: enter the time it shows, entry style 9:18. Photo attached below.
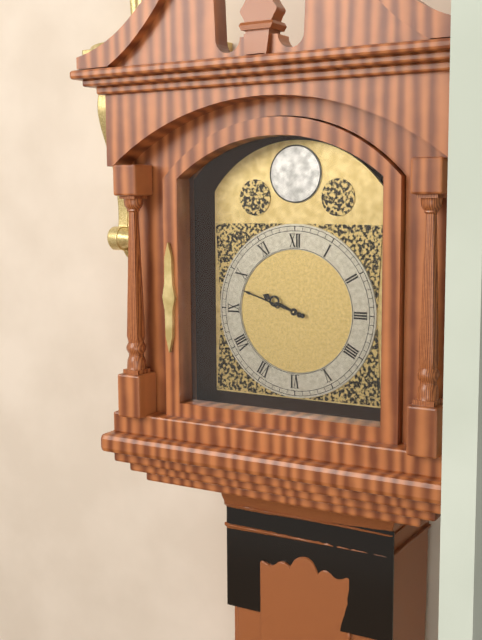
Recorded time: 9:48
